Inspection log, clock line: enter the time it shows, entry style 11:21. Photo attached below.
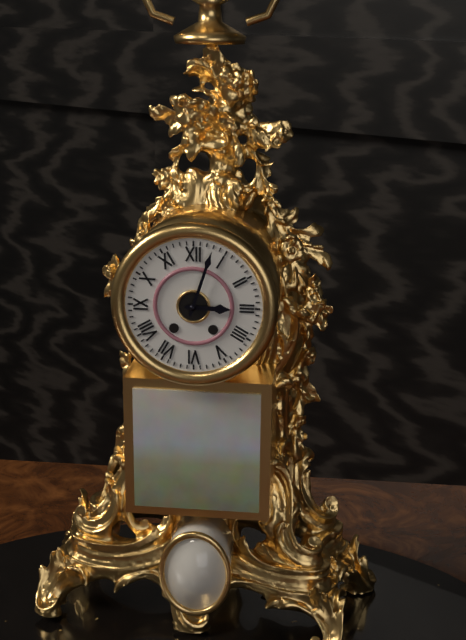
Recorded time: 3:03
